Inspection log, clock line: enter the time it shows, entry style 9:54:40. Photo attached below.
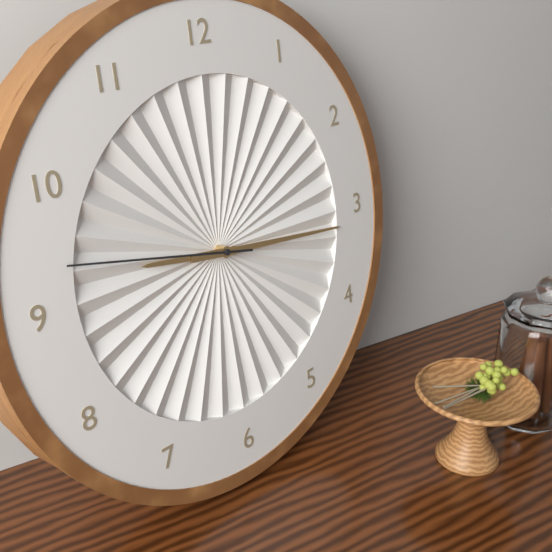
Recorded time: 9:16:47
